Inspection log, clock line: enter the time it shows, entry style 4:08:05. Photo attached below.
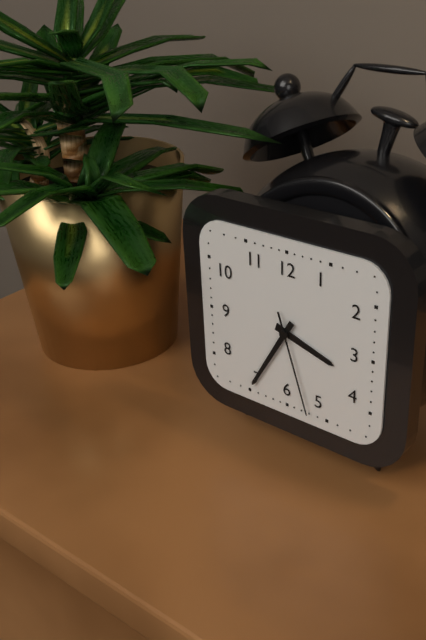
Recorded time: 3:35:27
